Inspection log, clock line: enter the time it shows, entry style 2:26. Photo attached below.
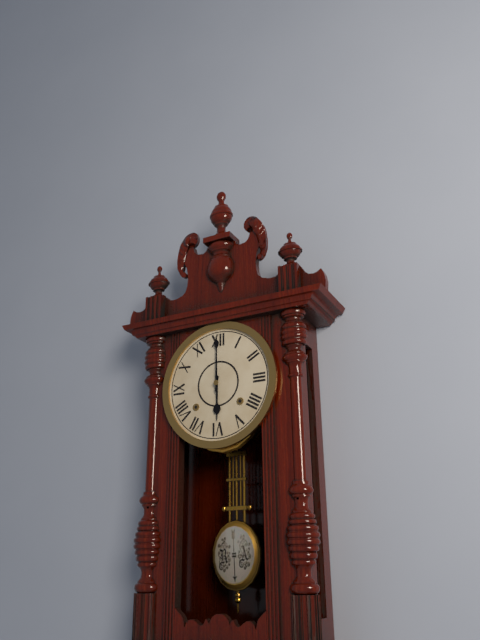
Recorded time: 6:00
